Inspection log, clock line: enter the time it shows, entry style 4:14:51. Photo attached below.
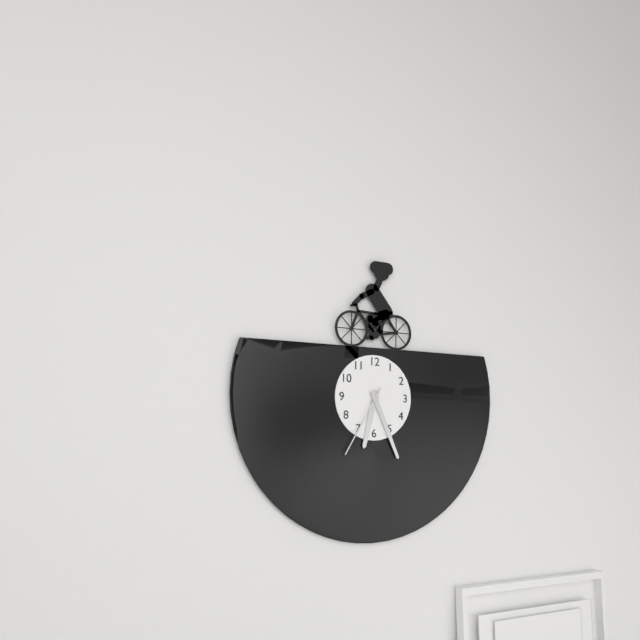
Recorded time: 6:26:35
